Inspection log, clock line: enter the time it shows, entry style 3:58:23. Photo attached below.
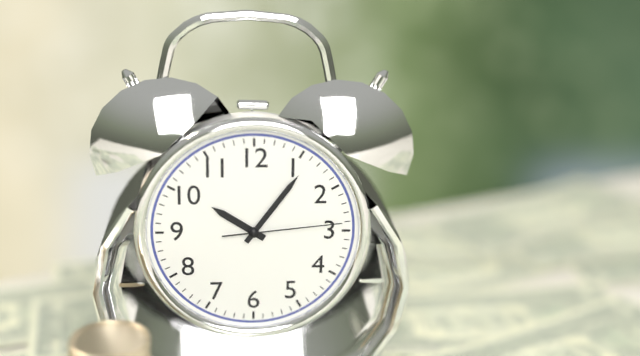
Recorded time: 10:06:14
